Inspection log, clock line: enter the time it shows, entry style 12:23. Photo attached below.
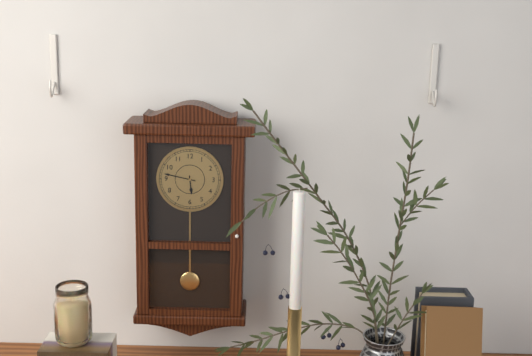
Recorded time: 5:47
